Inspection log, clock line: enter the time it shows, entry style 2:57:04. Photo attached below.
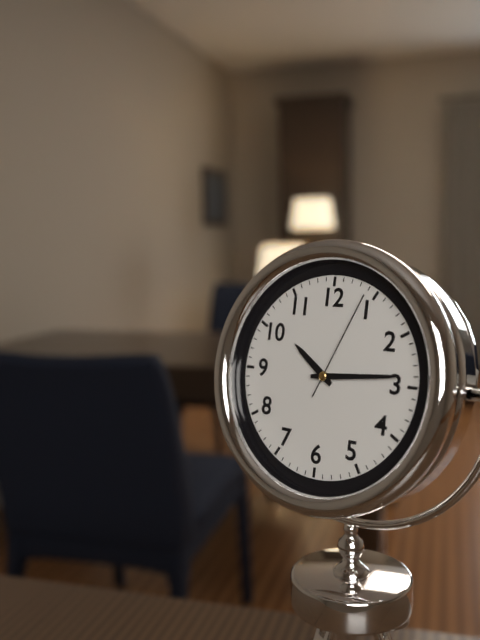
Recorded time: 10:14:04
